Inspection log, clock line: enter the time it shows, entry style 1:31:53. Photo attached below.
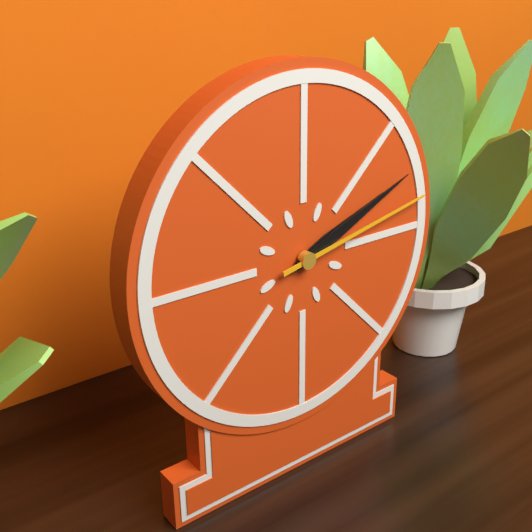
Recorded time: 2:11:13
